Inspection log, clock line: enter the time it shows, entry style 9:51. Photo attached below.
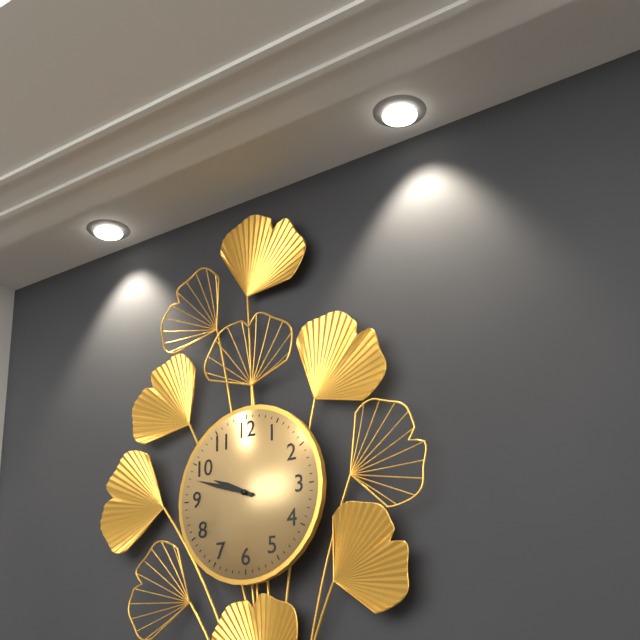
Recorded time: 9:48
